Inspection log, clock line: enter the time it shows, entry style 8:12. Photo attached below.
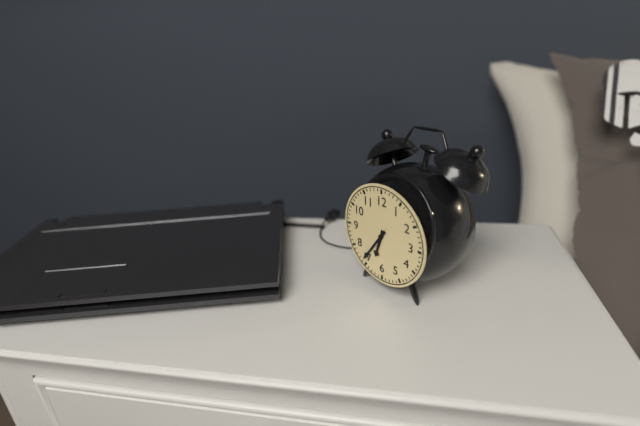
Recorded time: 6:36
